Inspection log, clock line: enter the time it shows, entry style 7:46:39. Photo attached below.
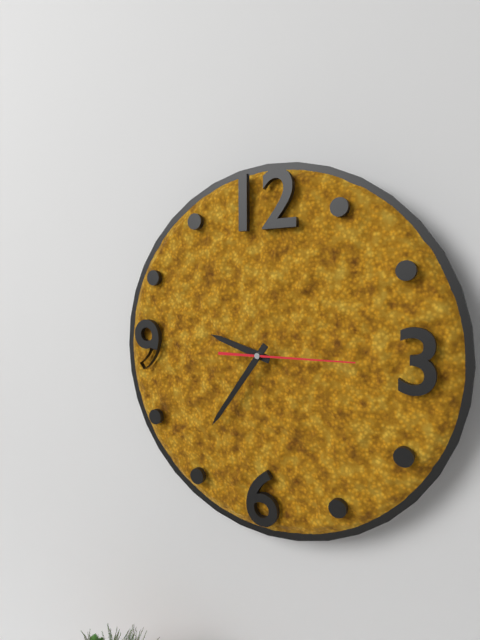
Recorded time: 9:36:15
